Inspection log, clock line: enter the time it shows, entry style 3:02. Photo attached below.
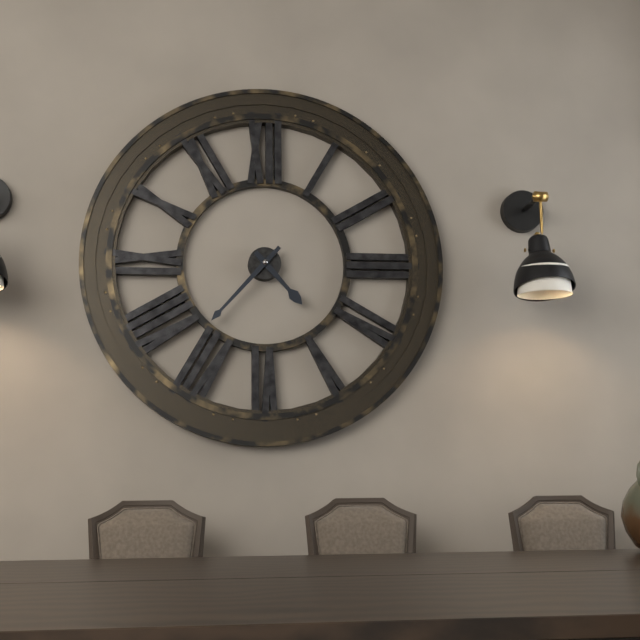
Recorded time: 4:37
